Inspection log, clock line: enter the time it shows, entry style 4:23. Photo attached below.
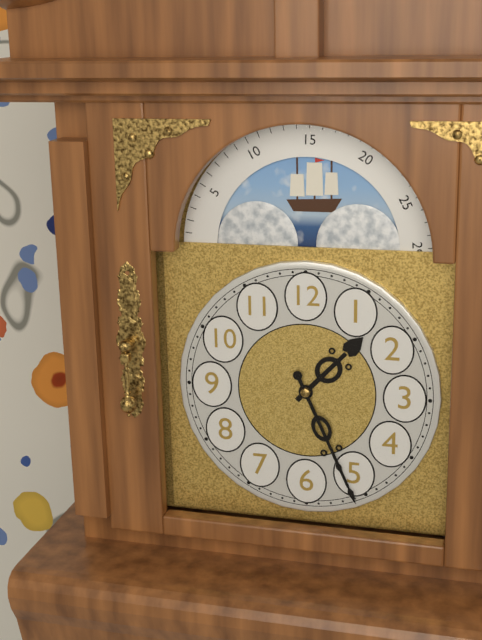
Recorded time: 1:26
